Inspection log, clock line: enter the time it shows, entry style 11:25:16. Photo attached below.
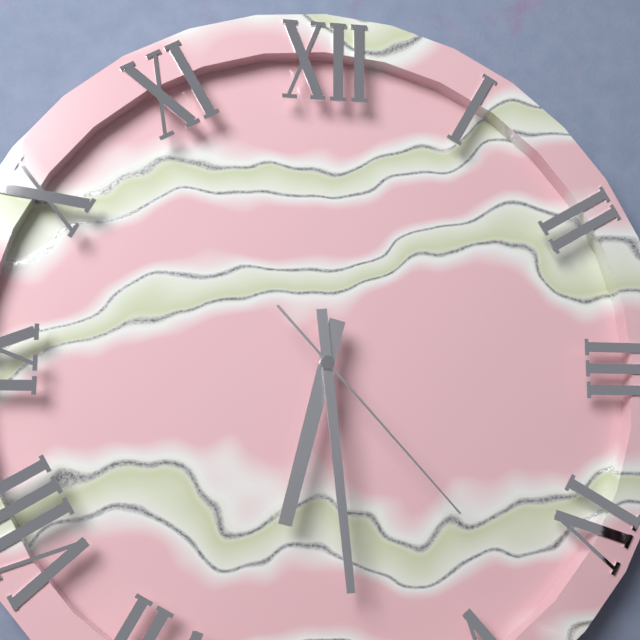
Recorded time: 6:29:23
